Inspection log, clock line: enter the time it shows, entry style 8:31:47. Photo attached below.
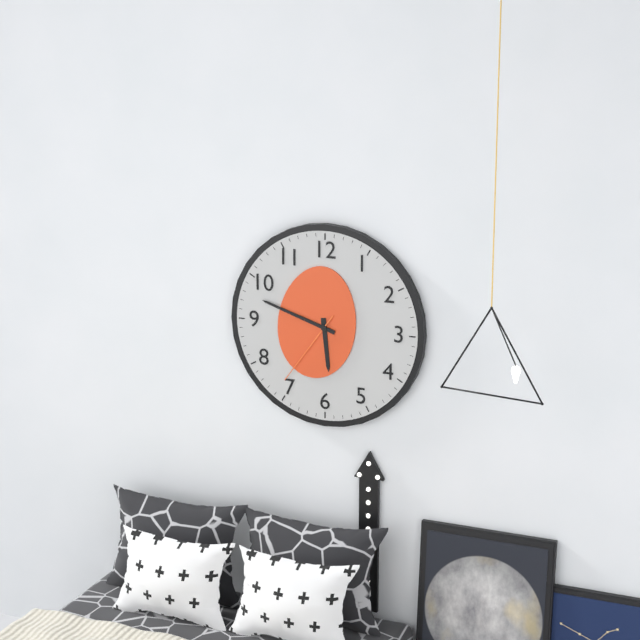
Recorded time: 5:48:36
